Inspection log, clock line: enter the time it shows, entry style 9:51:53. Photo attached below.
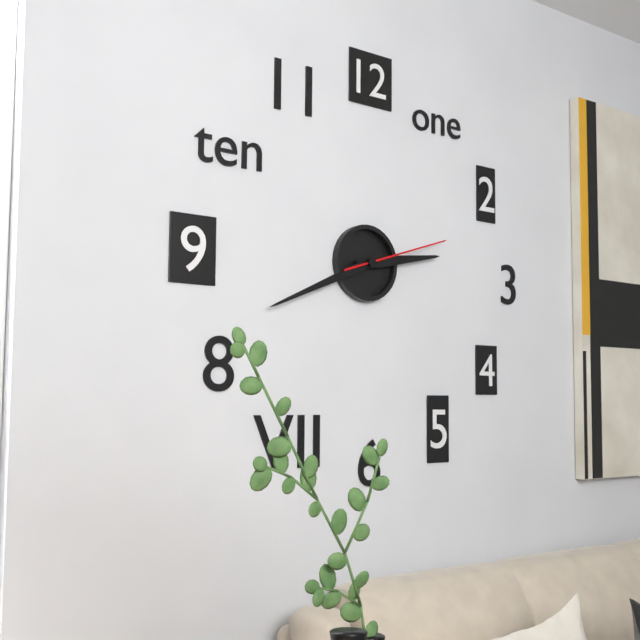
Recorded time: 2:41:12
